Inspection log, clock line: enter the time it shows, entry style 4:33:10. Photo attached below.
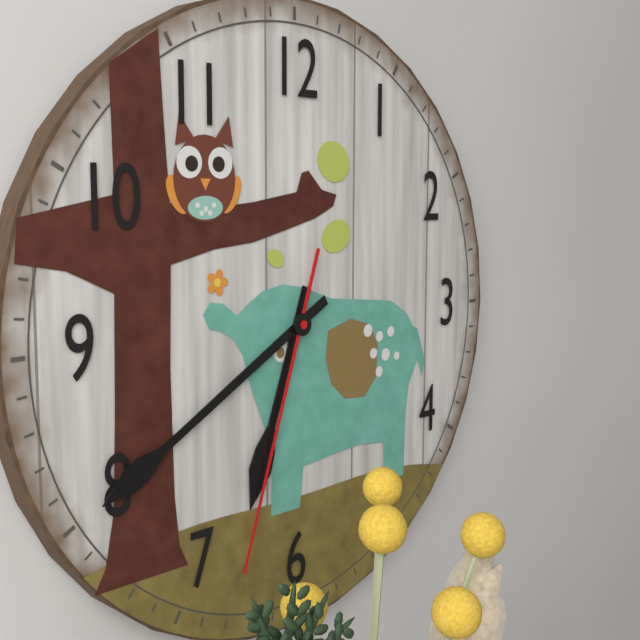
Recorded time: 6:40:33
